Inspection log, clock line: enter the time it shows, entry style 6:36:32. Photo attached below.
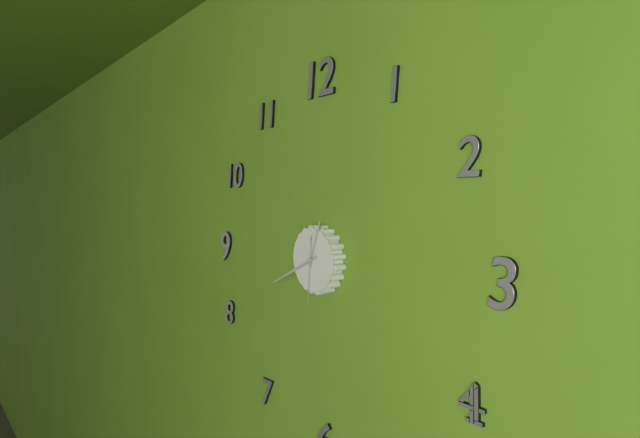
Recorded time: 12:41:31
